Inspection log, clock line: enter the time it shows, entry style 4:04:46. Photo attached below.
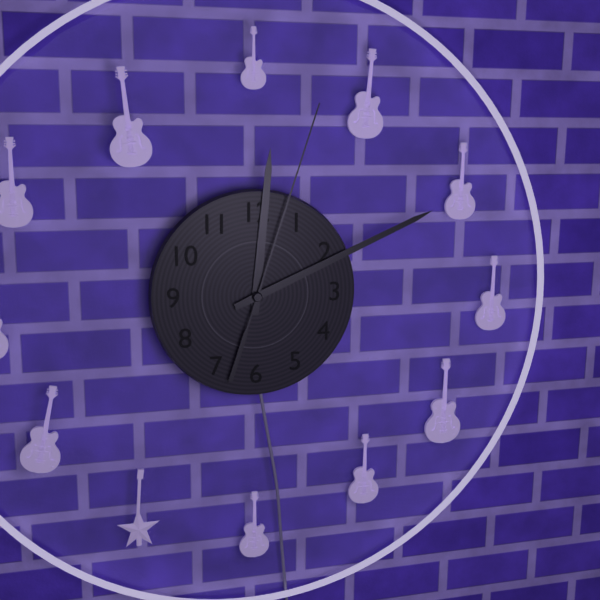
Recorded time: 12:11:03
